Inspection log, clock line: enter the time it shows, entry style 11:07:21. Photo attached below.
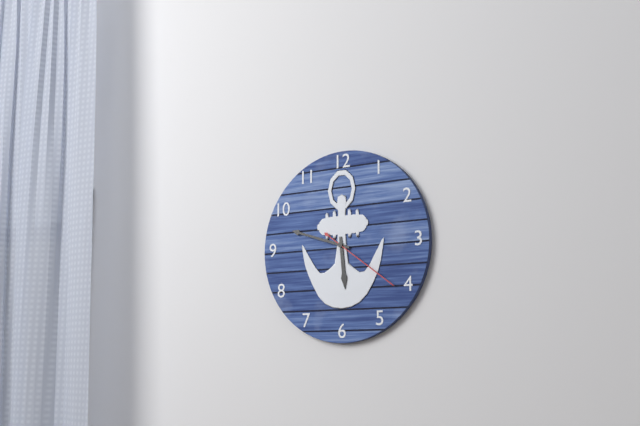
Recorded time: 5:48:21
